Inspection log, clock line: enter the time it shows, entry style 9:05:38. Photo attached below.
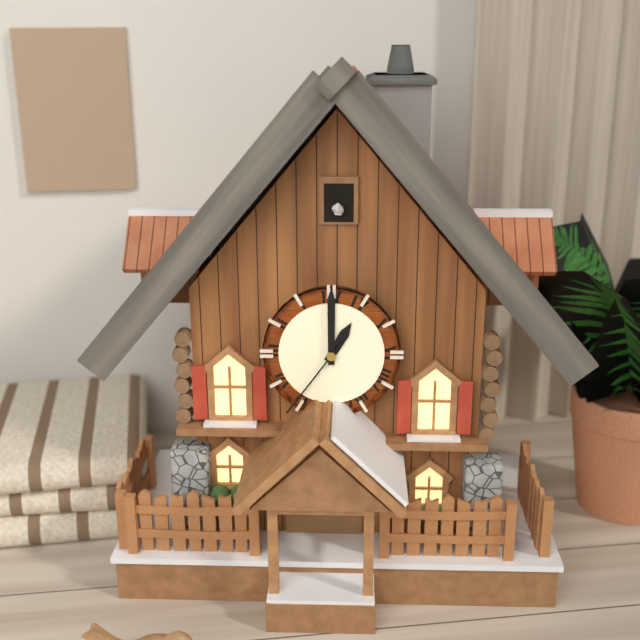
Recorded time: 1:00:36
